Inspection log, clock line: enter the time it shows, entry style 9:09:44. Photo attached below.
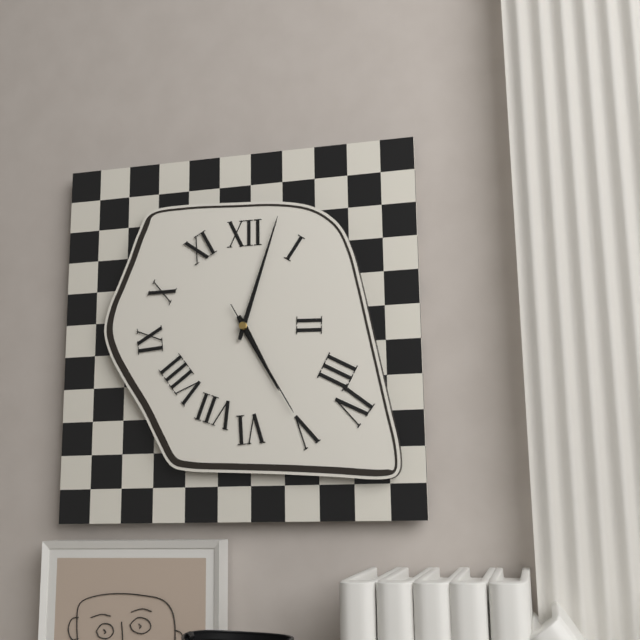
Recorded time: 5:03:25
